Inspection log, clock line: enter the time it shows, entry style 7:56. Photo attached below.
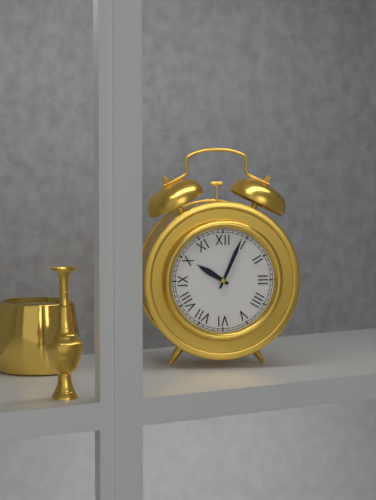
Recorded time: 10:04
